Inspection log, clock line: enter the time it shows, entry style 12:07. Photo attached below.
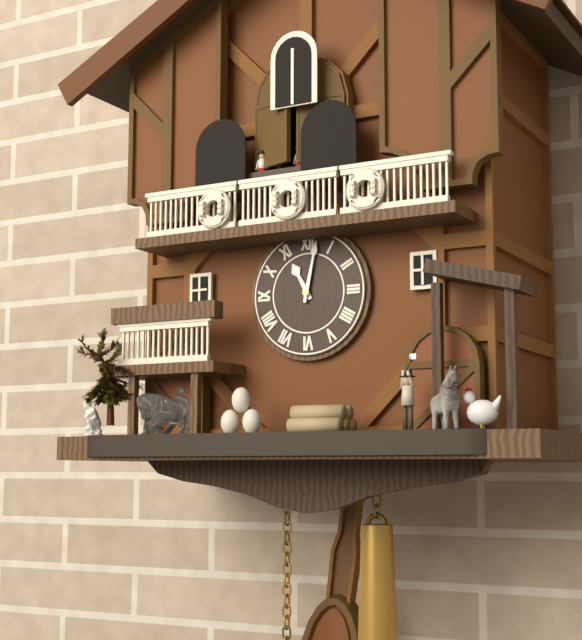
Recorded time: 11:02
